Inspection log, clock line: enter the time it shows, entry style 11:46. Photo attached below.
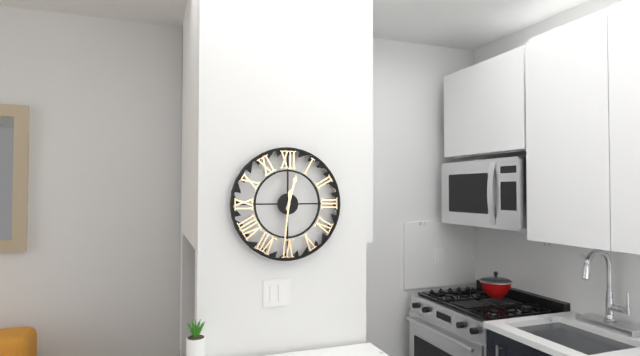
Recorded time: 12:31
